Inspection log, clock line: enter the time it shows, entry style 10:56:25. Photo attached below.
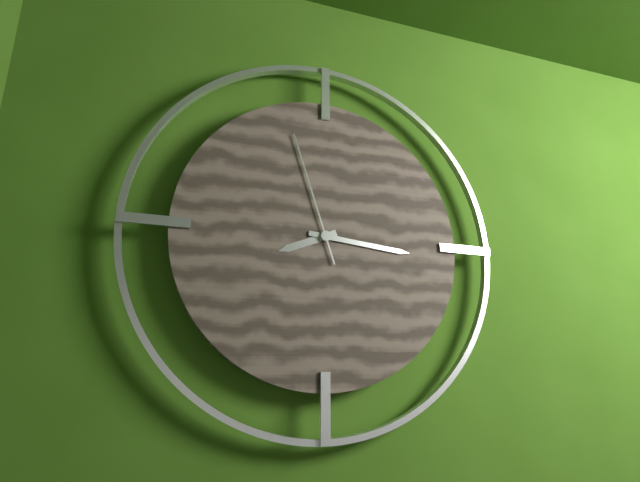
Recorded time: 8:16:57
